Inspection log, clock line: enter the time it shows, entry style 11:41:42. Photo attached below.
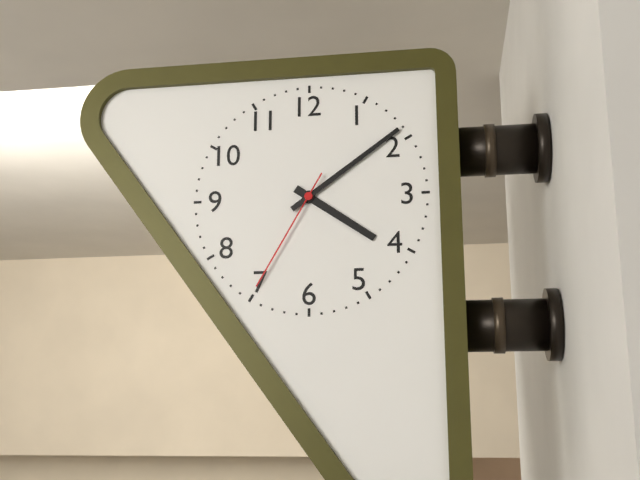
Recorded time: 4:09:35
